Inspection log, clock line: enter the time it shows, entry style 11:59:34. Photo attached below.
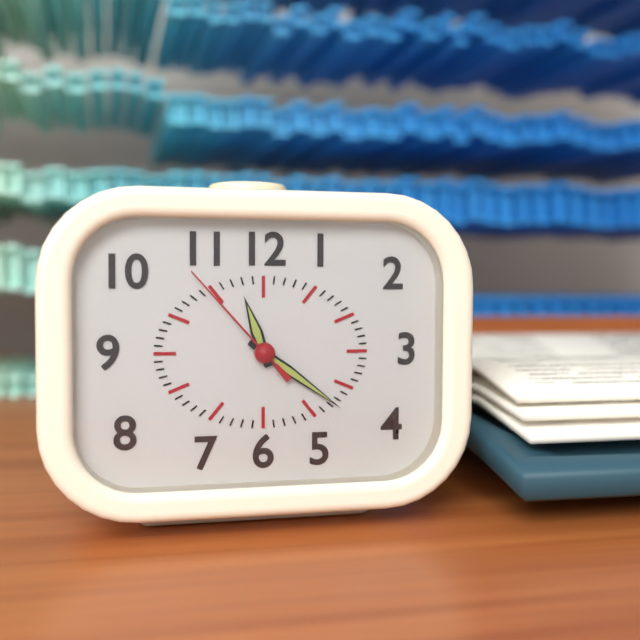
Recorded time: 11:21:53
